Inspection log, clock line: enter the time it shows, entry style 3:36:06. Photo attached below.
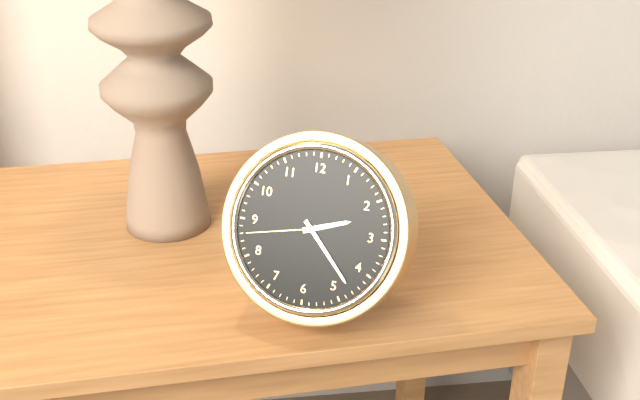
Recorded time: 2:23:43
